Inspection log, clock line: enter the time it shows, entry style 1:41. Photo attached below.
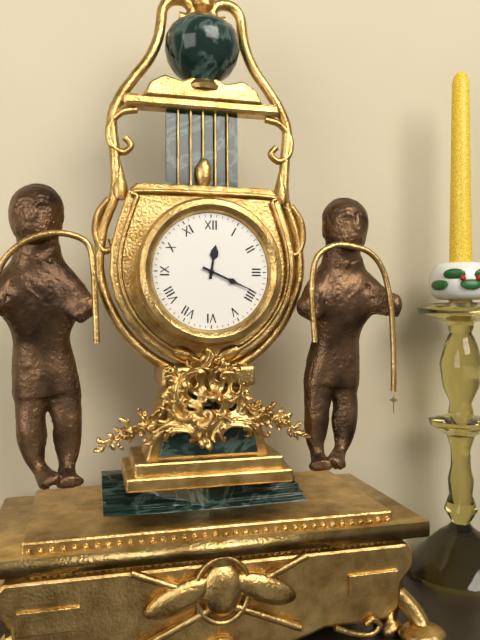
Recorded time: 12:19
